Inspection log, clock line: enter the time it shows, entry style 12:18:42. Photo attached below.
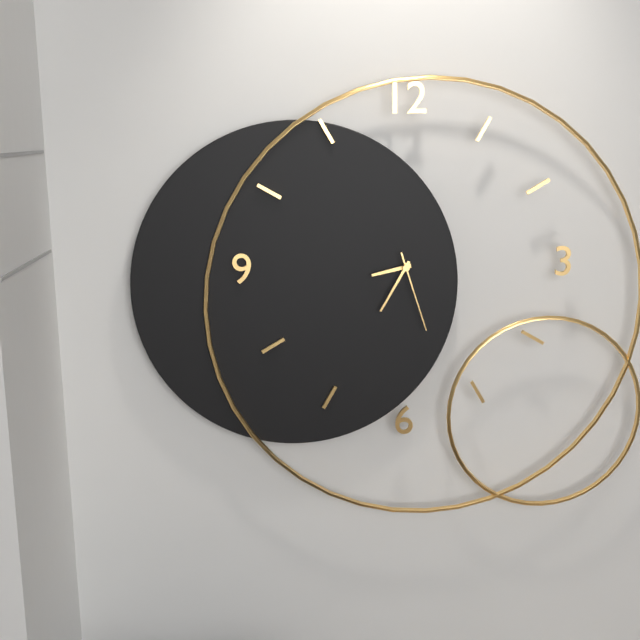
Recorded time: 8:35:27
